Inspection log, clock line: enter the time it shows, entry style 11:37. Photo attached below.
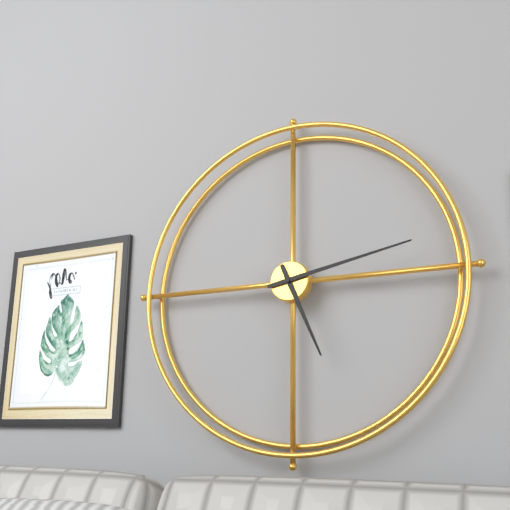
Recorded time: 5:13
